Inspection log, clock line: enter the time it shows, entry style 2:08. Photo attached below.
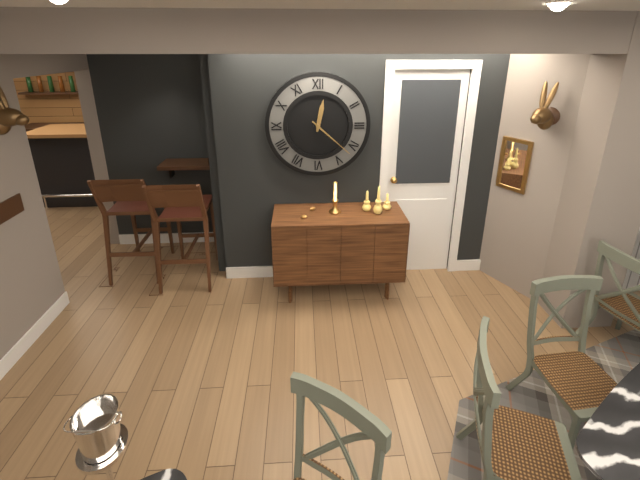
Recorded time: 12:22
